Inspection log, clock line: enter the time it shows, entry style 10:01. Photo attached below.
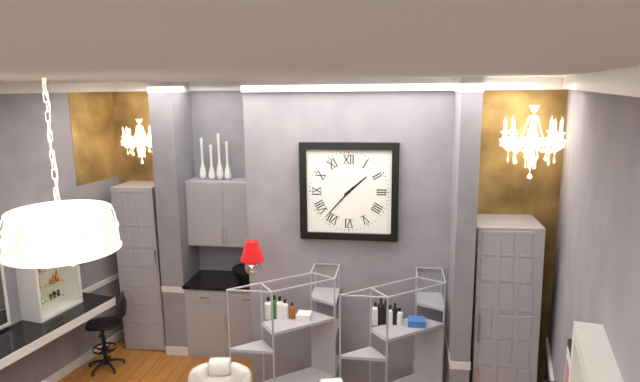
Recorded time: 1:37
